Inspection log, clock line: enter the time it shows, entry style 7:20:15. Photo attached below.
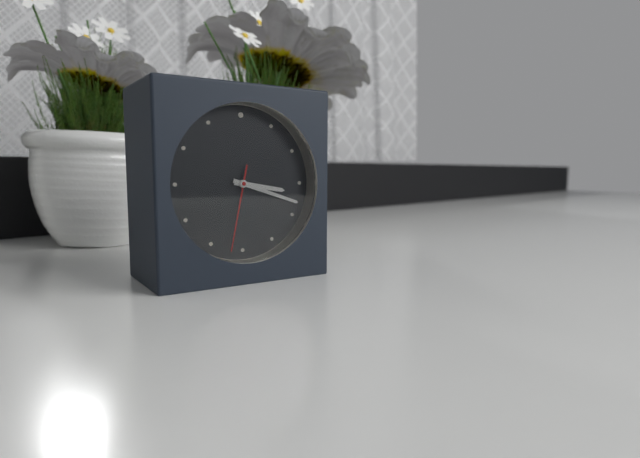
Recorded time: 3:18:32
